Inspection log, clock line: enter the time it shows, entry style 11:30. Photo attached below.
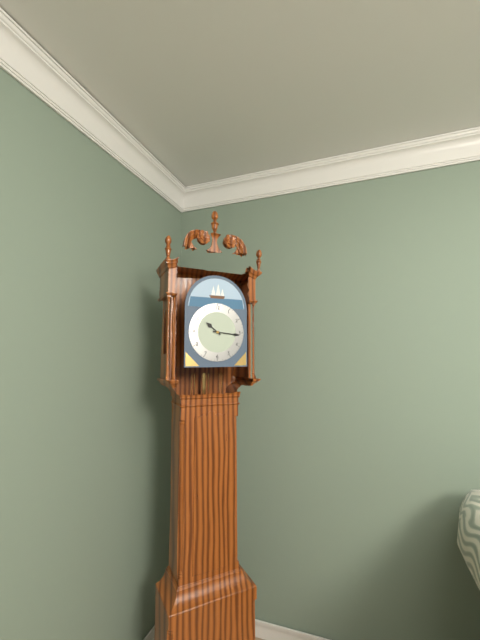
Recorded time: 10:16
